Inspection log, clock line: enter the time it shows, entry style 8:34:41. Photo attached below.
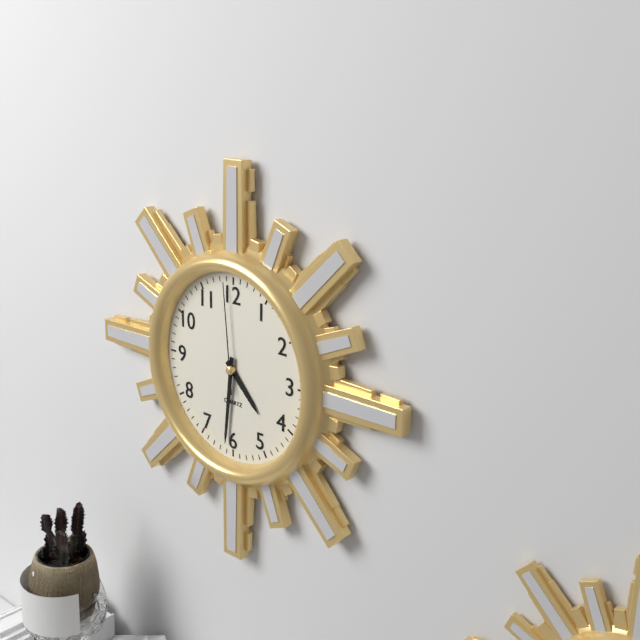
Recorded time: 4:31:59
